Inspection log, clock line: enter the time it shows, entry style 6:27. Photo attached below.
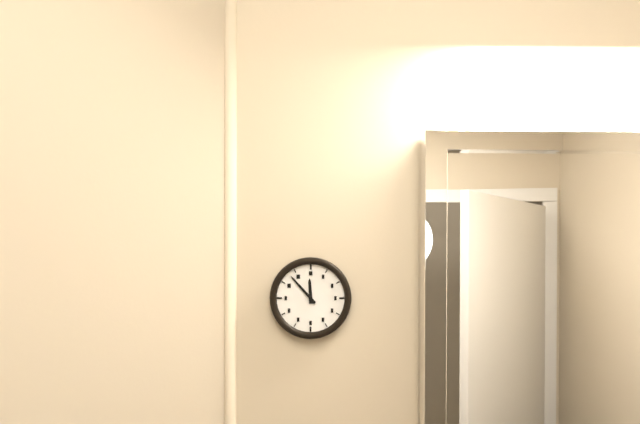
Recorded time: 11:53
